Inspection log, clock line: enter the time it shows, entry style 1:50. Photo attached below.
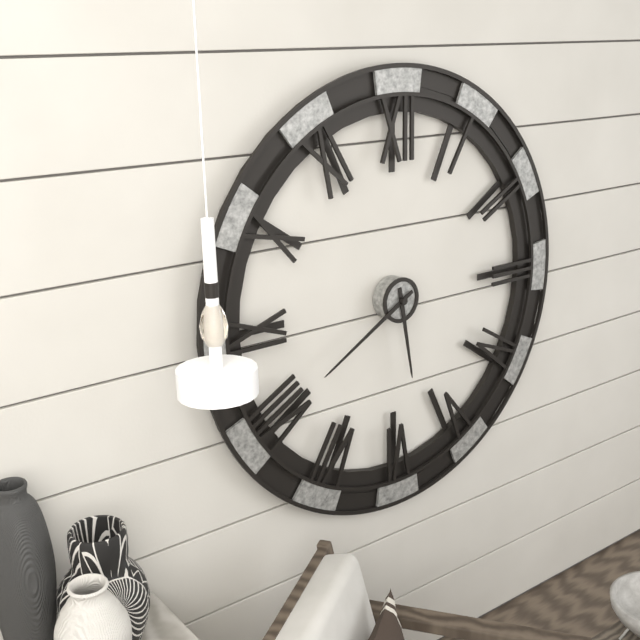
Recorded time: 5:40
